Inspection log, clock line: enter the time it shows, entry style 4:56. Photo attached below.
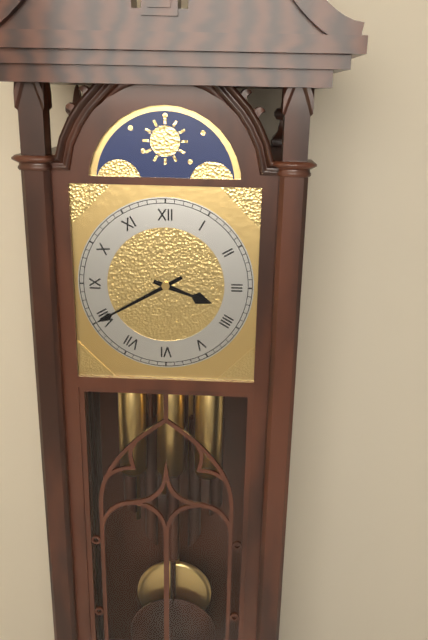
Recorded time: 3:40
